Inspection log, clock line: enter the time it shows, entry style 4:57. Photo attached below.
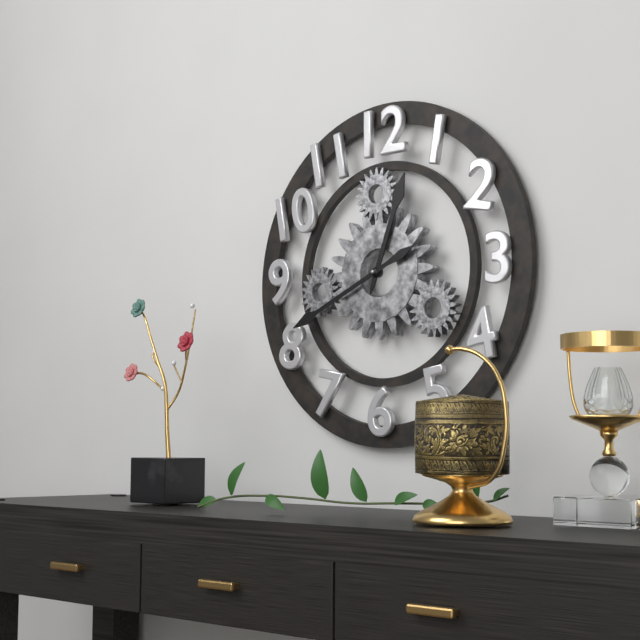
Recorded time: 12:41
